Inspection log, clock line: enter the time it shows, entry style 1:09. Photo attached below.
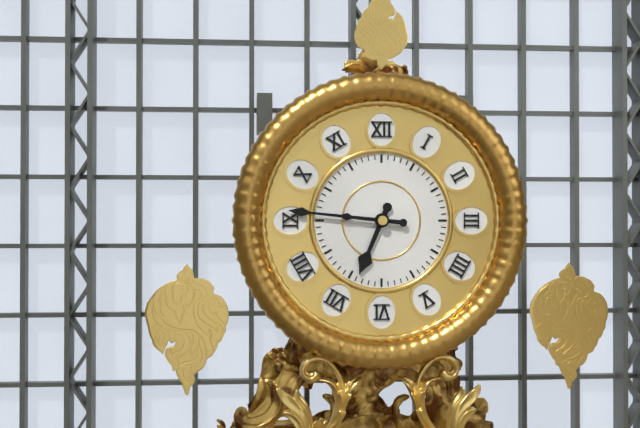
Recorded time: 6:46
